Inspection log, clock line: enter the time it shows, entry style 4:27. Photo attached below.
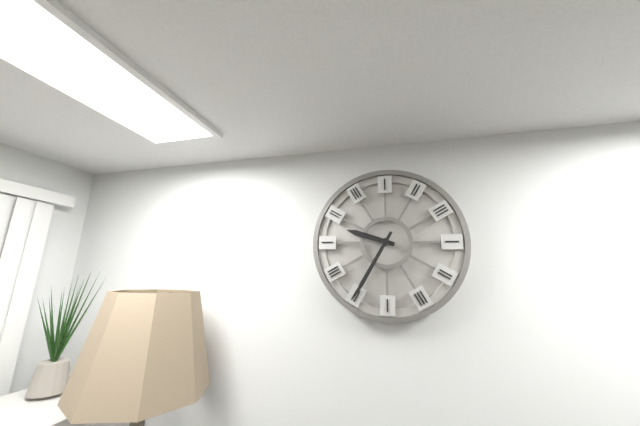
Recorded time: 9:35
